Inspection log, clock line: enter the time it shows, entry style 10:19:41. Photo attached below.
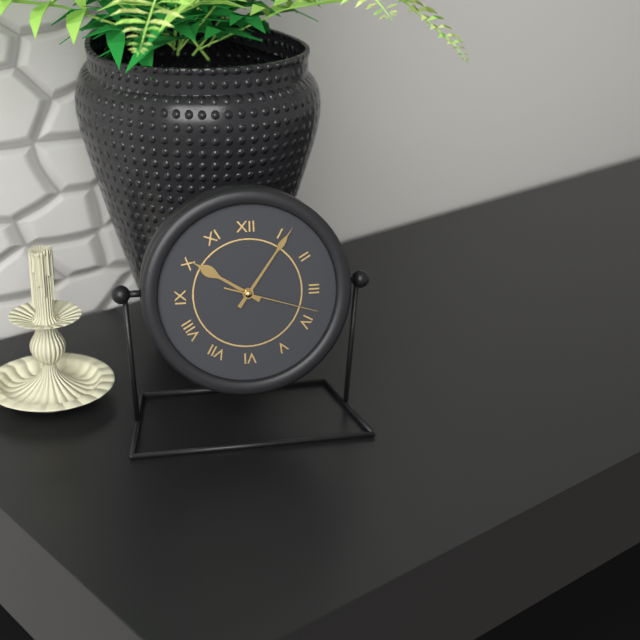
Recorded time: 10:06:18
